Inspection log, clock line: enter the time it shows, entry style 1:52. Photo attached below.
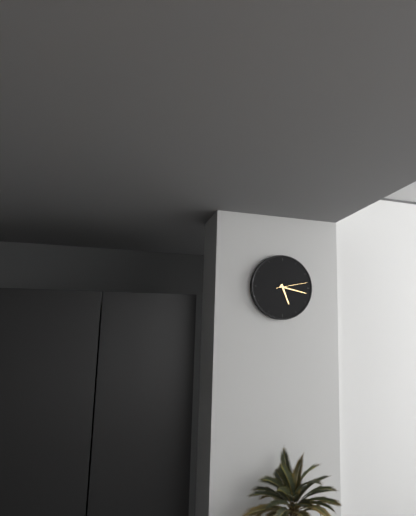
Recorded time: 5:17
